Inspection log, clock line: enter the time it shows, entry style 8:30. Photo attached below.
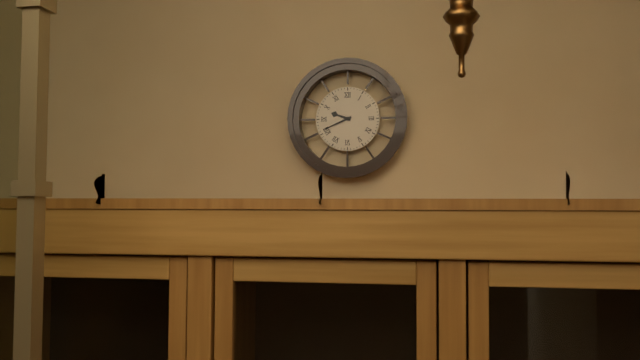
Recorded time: 9:41
